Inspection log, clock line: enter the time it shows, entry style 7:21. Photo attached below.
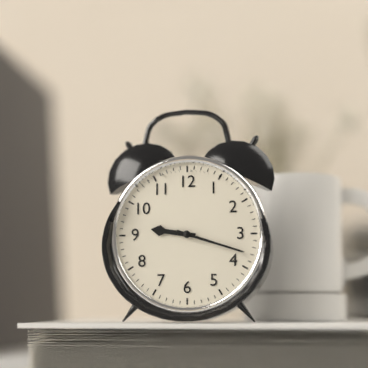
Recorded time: 9:18
